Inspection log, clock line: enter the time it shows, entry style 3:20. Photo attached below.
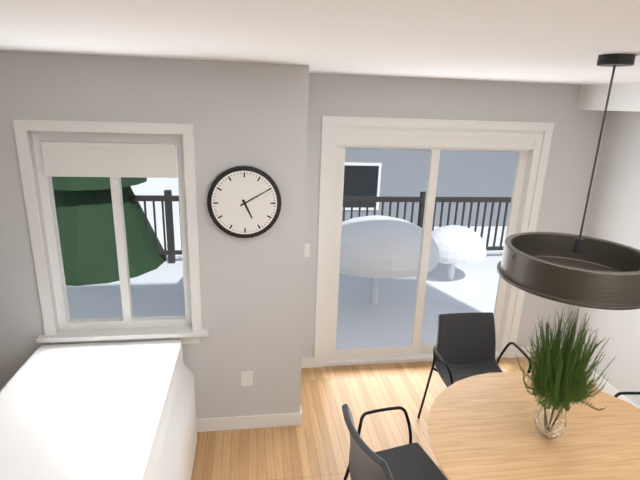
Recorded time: 5:10
